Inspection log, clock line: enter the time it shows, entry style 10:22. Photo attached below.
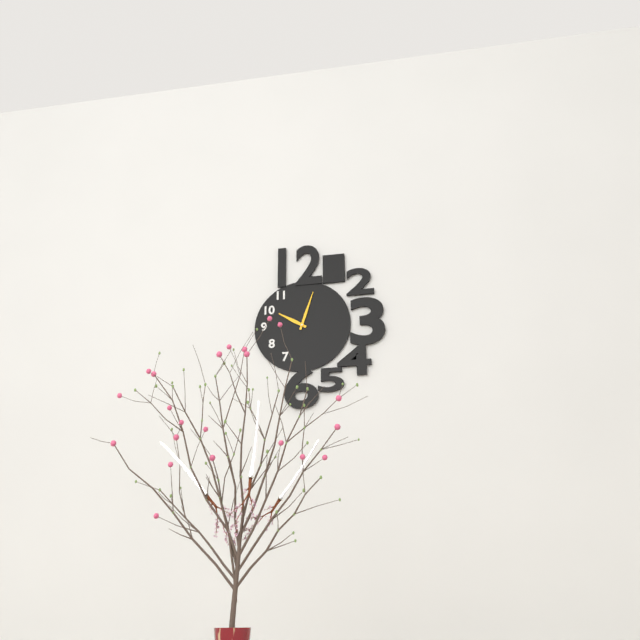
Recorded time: 10:03
